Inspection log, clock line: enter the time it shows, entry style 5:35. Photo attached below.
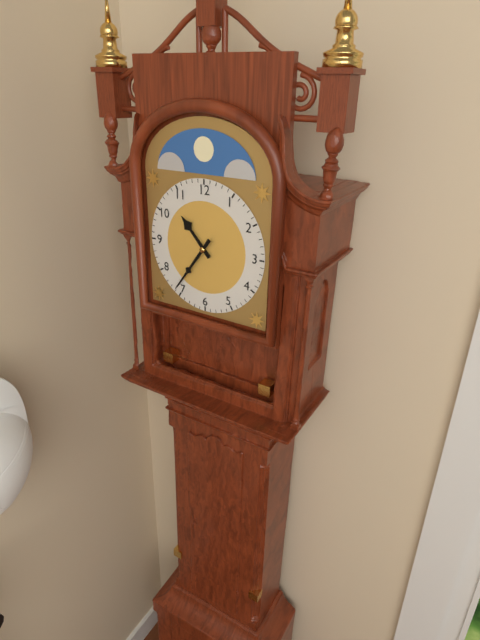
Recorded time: 10:36
